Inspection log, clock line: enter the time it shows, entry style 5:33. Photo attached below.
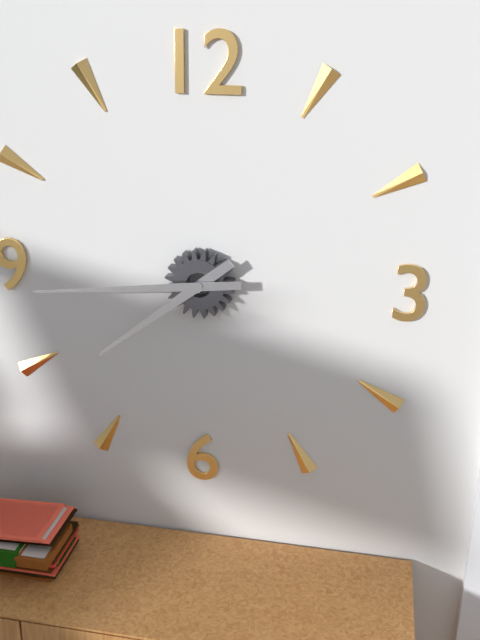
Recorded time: 7:44
